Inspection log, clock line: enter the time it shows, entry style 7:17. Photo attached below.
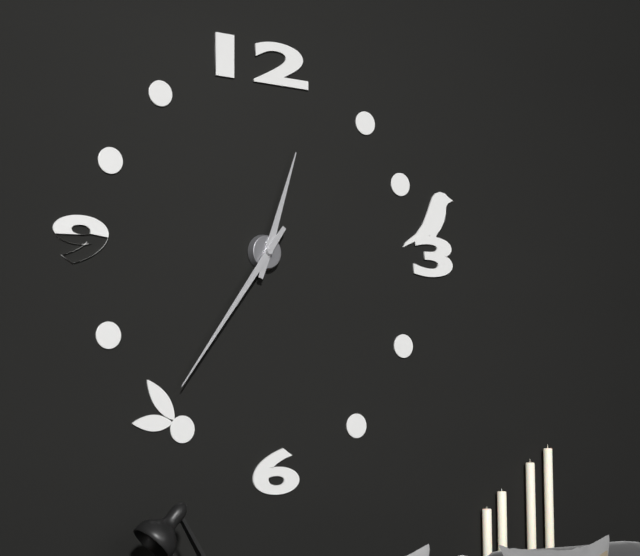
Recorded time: 12:36
